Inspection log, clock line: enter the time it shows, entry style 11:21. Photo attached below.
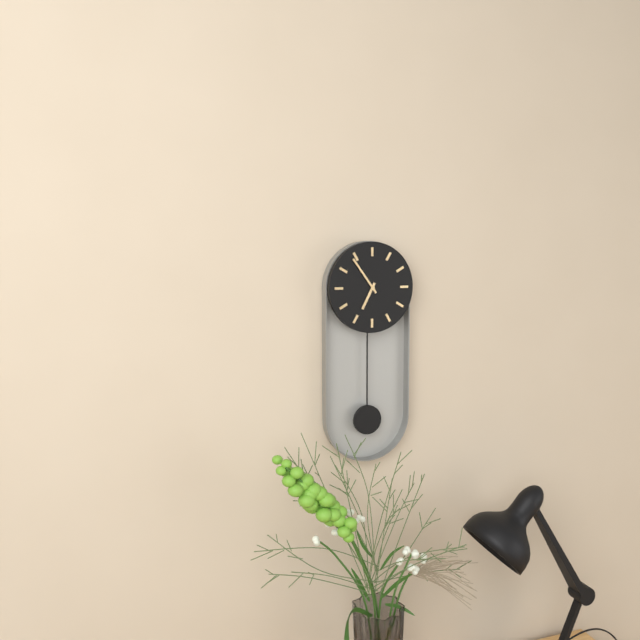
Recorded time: 6:54
